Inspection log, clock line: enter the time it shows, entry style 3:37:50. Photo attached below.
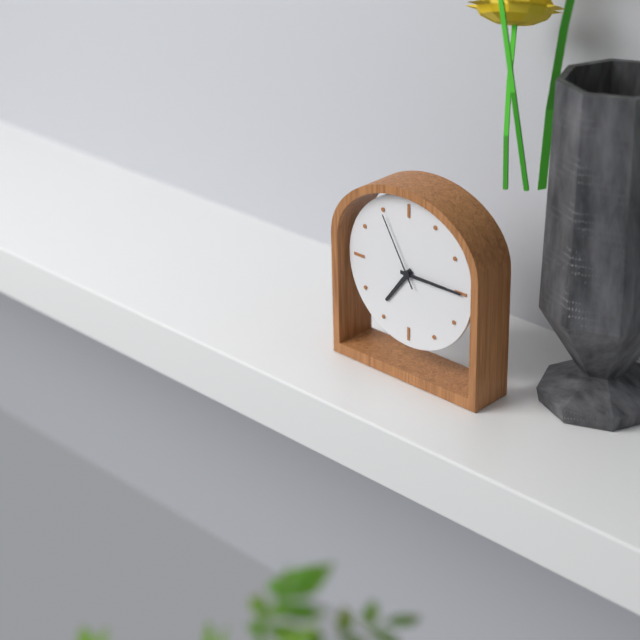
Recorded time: 7:15:55
